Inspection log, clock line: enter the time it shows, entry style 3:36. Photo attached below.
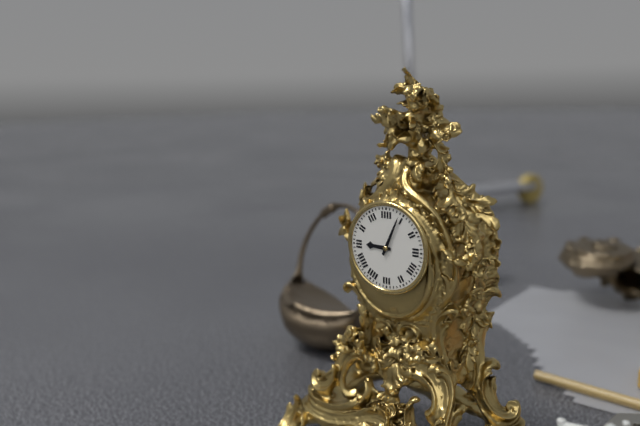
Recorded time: 9:04
